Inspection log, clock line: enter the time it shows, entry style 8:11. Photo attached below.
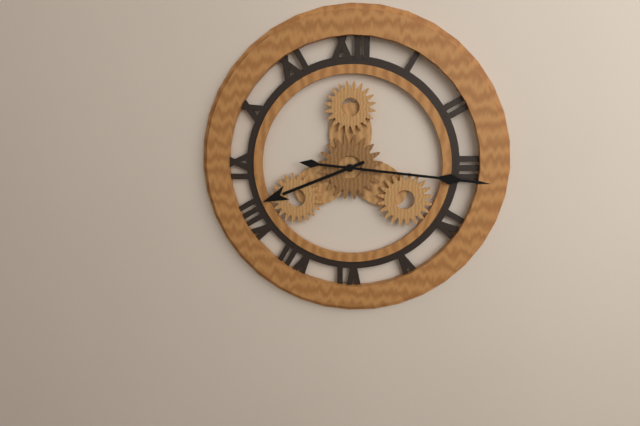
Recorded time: 8:16
